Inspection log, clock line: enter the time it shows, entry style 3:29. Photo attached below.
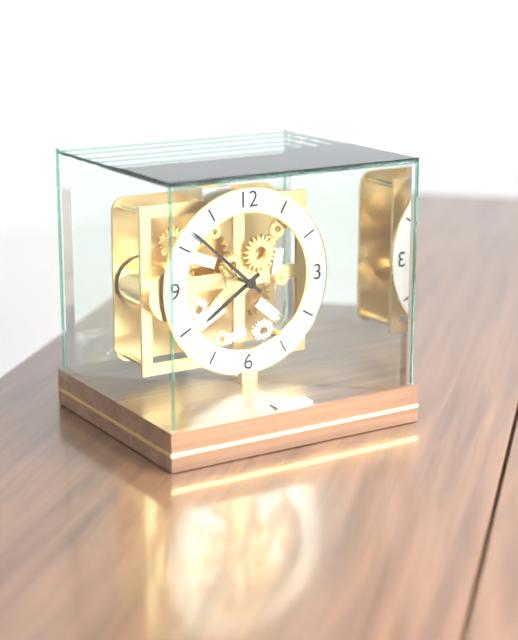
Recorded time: 7:52
